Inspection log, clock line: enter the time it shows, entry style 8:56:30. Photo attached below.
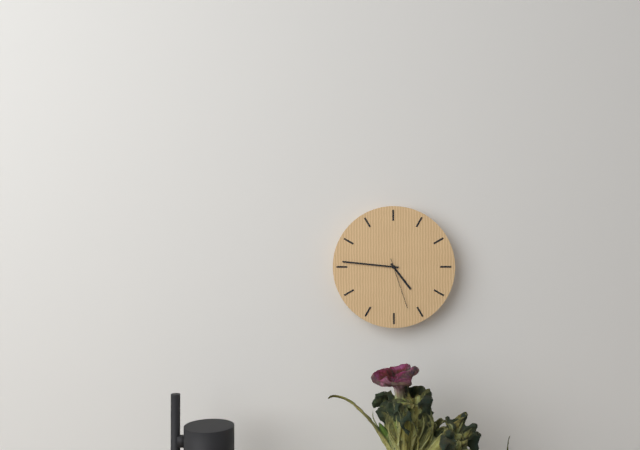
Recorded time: 4:46:27
